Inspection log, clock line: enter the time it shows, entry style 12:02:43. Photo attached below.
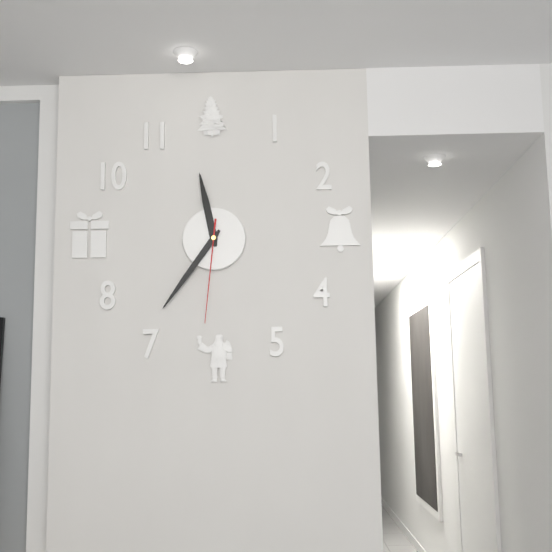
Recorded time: 11:36:31
